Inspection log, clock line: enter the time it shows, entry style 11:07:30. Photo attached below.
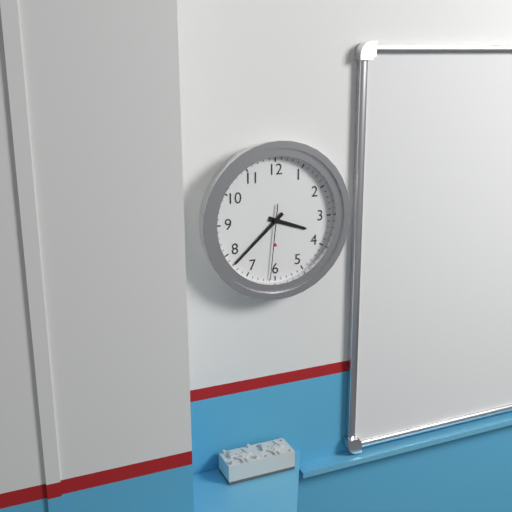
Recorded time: 3:38:31
